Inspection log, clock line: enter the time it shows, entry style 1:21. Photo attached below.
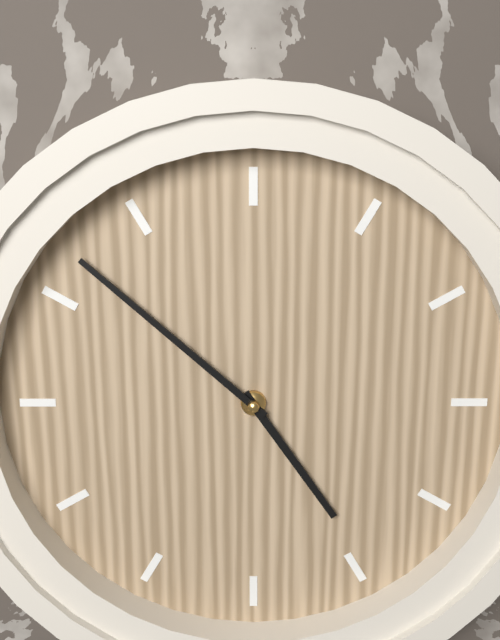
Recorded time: 4:52
